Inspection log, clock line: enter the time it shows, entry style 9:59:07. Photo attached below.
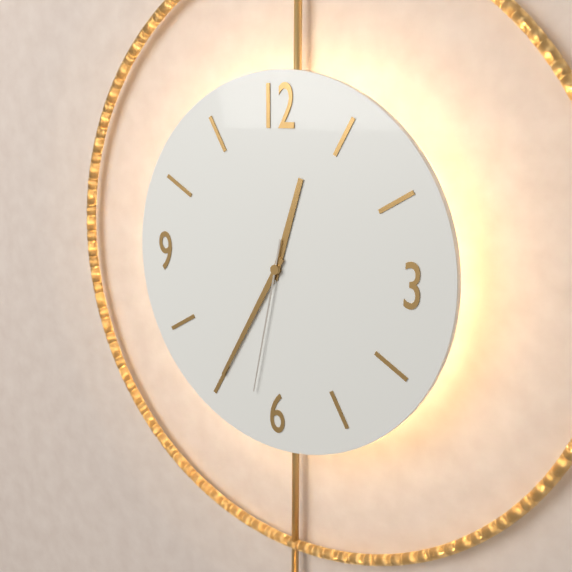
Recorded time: 12:35:32
